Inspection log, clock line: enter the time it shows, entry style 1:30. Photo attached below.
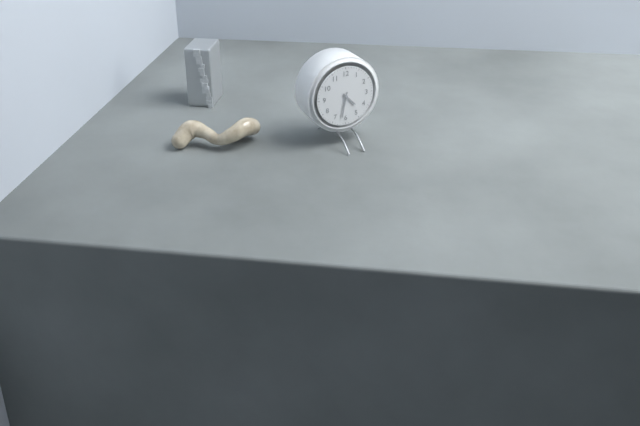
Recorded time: 4:32
